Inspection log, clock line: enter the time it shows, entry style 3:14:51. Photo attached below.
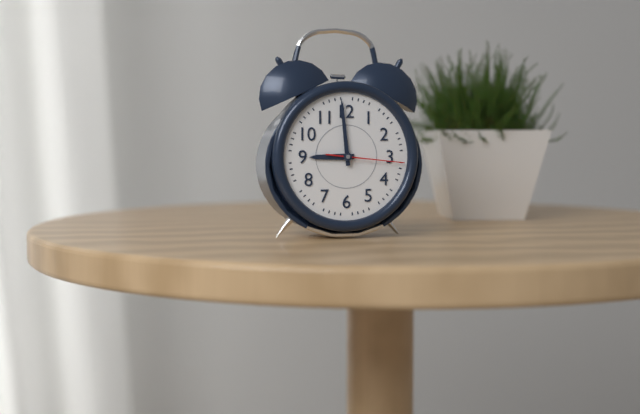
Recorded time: 8:59:16
